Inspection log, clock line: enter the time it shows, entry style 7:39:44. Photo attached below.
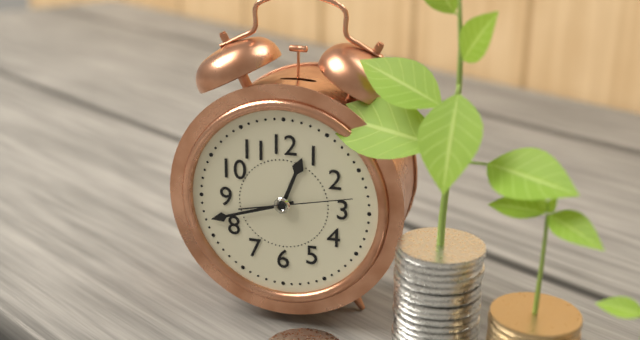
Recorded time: 12:42:13
